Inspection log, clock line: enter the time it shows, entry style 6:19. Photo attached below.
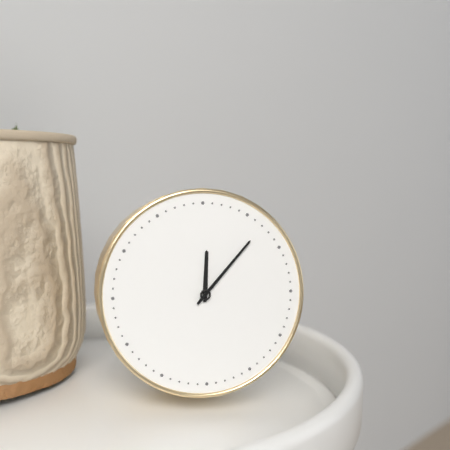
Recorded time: 12:07
